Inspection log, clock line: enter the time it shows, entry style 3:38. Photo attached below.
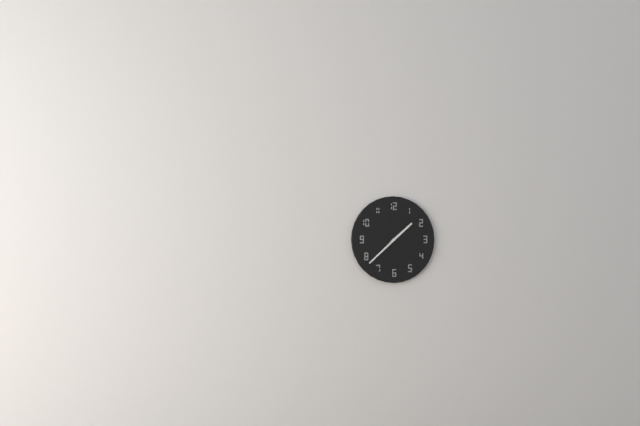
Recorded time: 1:38
